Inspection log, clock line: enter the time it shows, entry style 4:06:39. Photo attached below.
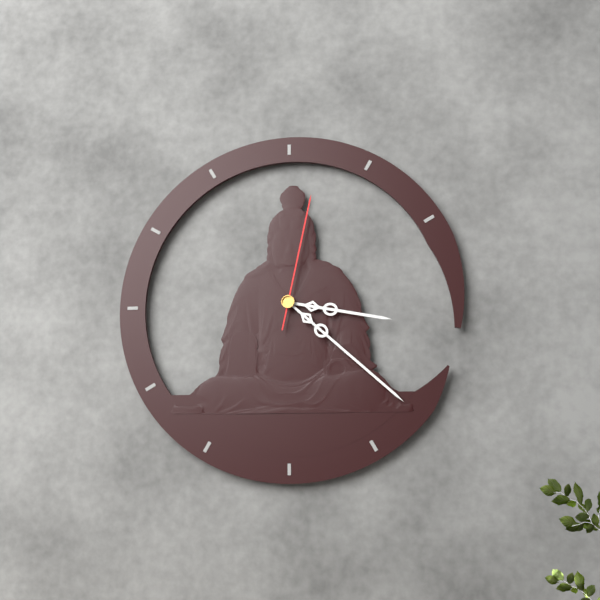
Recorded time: 3:22:02
